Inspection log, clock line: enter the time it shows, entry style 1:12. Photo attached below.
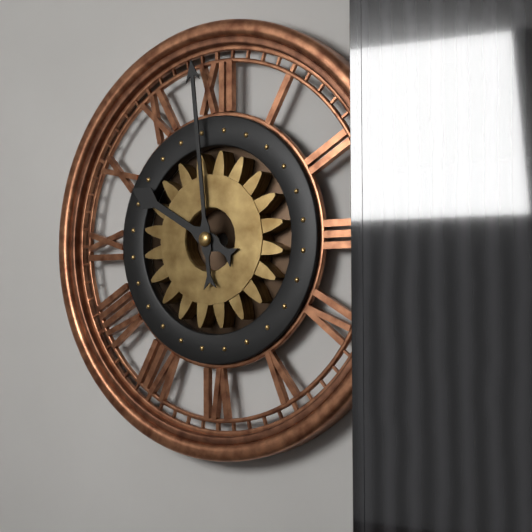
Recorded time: 9:59
